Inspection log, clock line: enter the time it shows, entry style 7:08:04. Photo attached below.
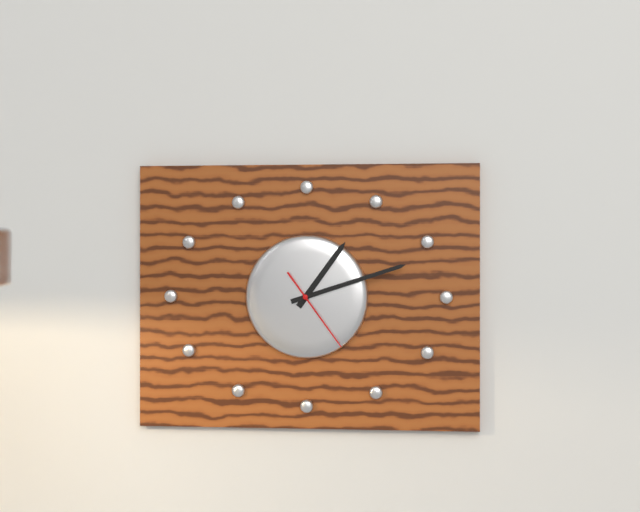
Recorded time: 1:12:24
